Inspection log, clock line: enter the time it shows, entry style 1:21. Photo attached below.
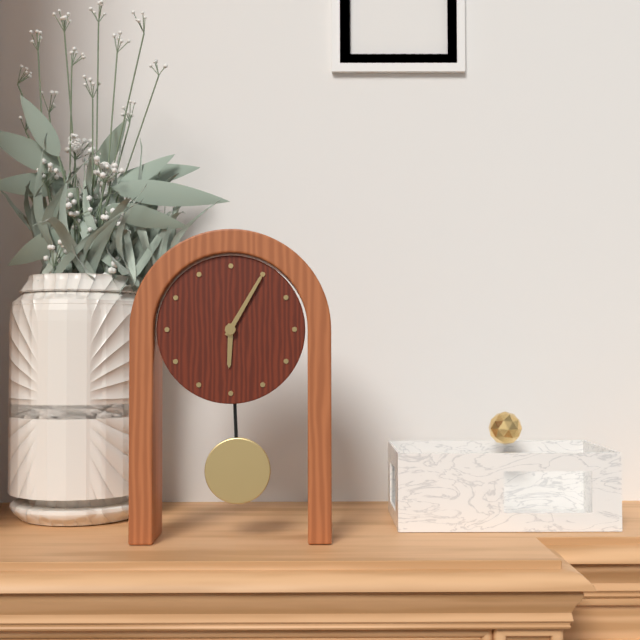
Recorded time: 6:05
